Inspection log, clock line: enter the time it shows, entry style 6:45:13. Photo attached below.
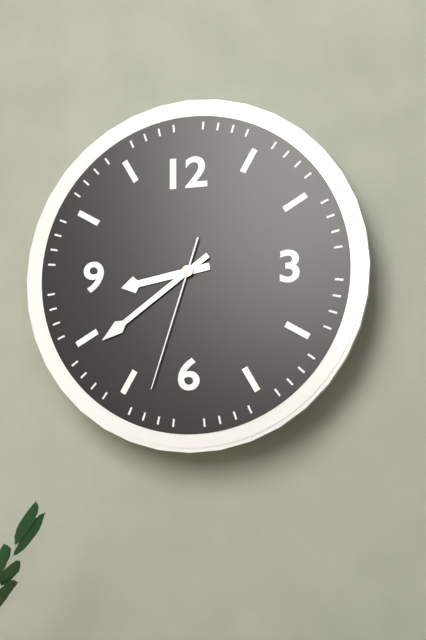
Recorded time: 8:39:33
